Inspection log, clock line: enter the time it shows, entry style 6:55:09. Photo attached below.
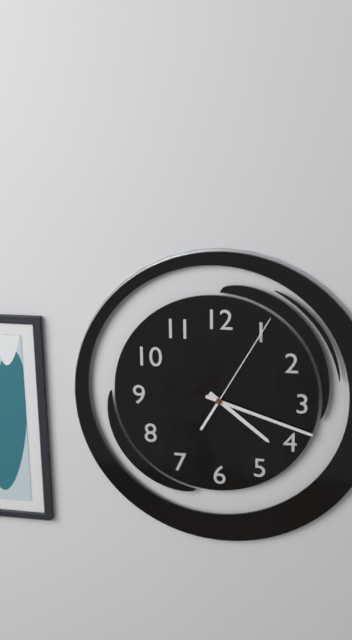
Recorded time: 4:18:05
